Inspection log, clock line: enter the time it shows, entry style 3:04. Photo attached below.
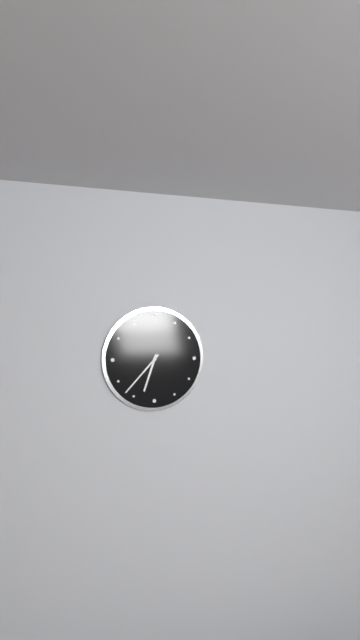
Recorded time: 6:37
